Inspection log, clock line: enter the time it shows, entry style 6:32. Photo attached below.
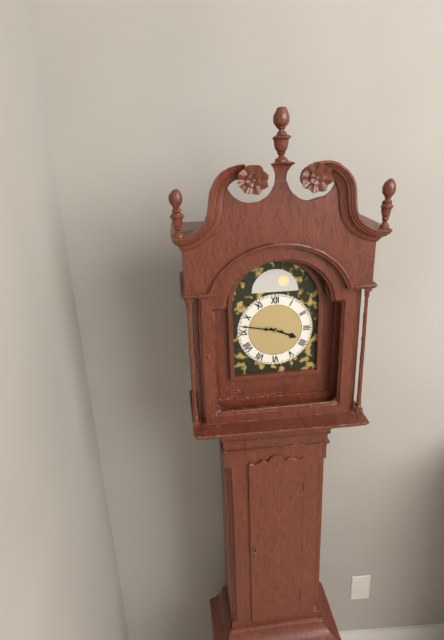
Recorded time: 3:47
